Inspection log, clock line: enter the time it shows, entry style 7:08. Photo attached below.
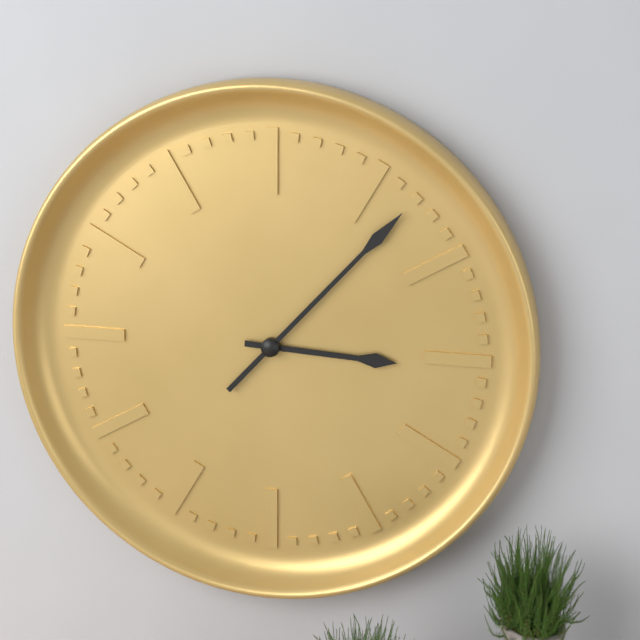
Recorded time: 3:07
